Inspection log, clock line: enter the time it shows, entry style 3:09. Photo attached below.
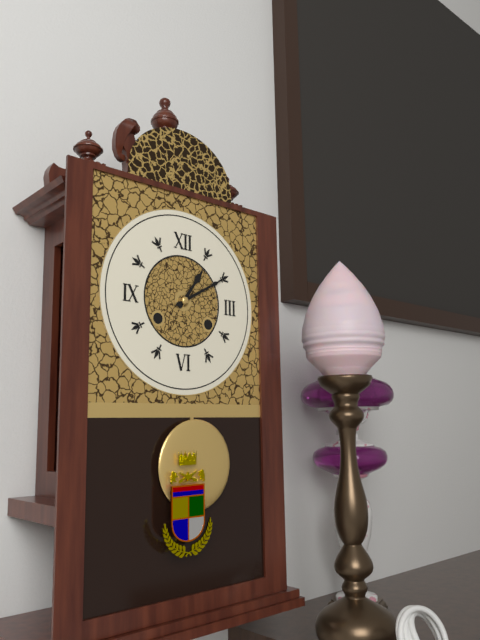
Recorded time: 1:10
